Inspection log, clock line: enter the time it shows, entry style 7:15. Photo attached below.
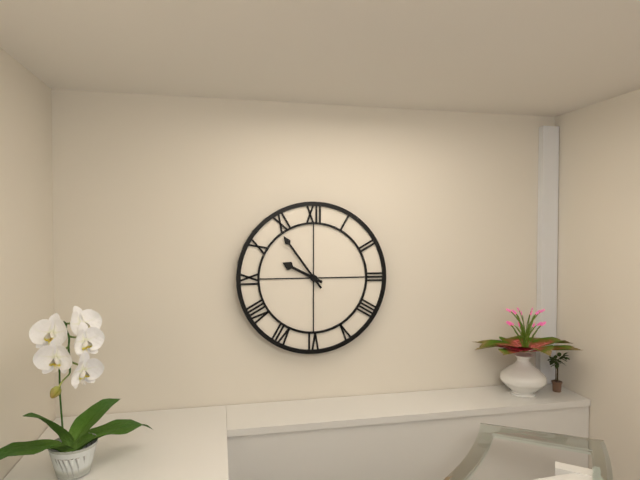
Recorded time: 9:54
